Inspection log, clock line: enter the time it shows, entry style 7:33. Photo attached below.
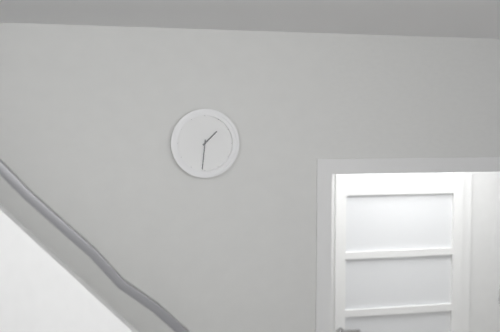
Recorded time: 1:31
